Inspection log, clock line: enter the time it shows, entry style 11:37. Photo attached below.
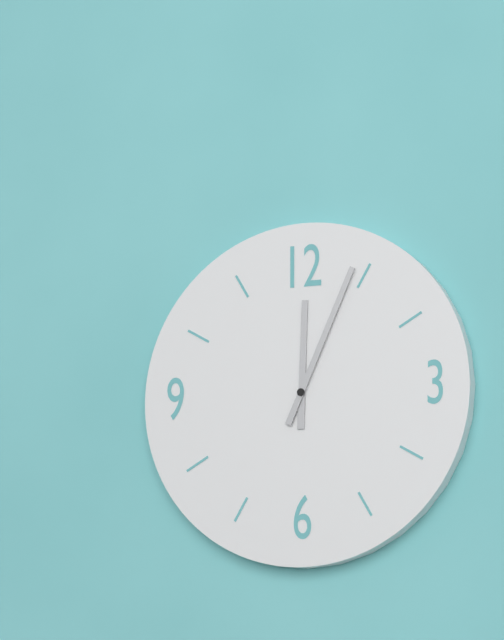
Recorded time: 12:04
